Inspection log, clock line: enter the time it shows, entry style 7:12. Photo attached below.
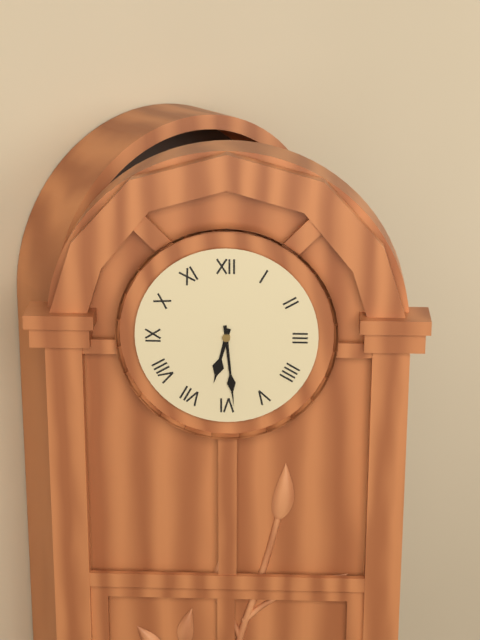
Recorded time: 6:29
